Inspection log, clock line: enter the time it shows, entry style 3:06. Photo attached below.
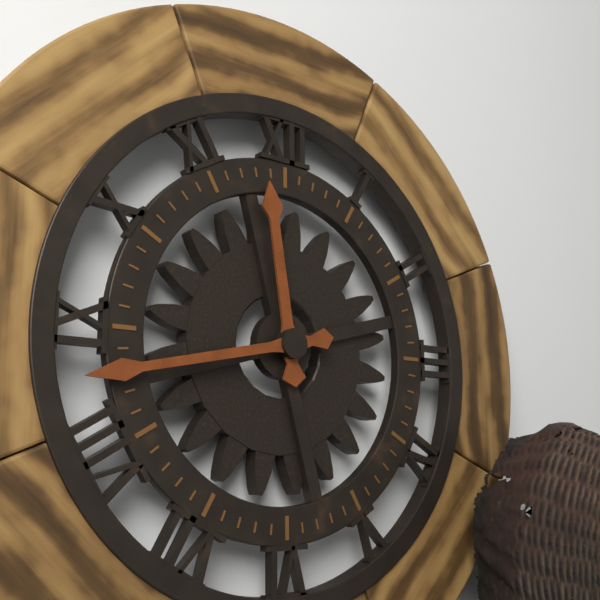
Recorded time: 11:43
